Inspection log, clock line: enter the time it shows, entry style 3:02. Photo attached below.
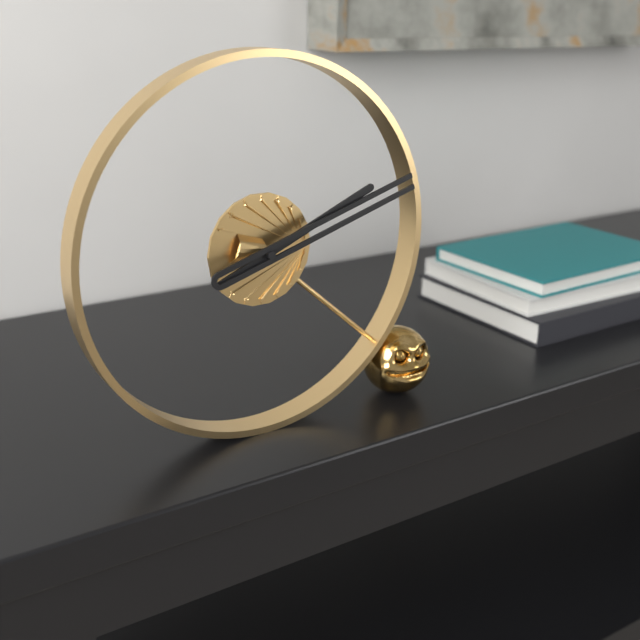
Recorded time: 2:12
